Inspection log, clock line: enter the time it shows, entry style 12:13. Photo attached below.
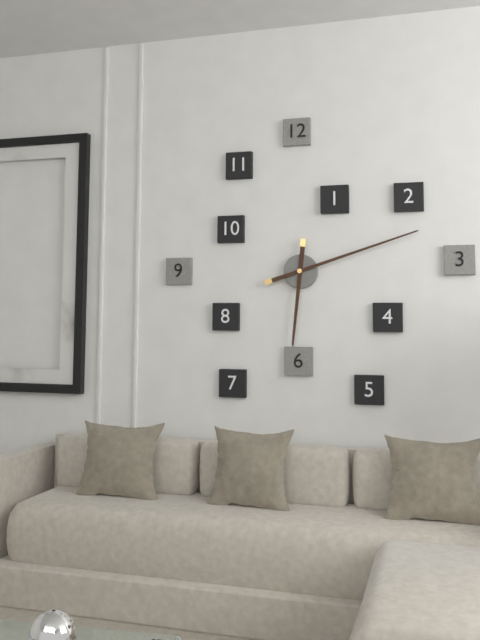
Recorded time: 6:12
